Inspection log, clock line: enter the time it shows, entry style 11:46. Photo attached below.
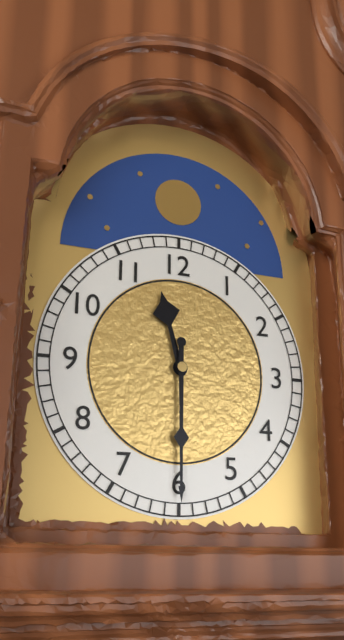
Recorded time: 11:30
